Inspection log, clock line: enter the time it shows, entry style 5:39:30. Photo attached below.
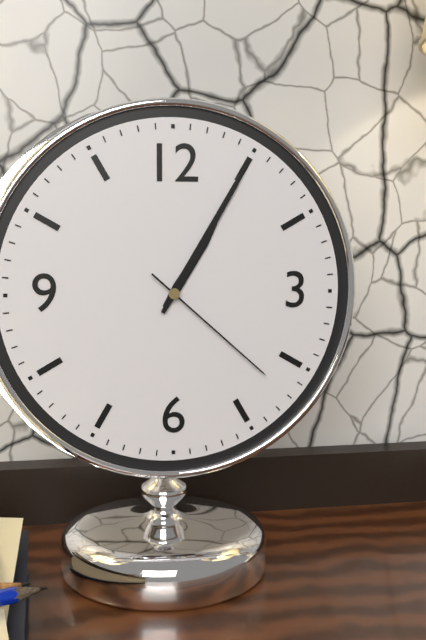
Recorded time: 1:05:22
